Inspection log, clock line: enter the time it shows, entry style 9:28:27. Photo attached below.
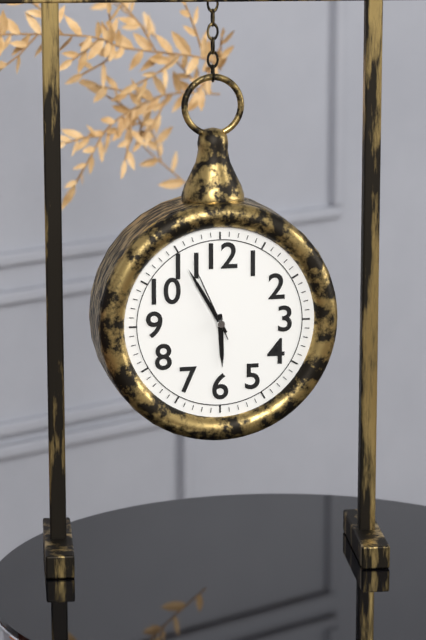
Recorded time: 5:55:56
